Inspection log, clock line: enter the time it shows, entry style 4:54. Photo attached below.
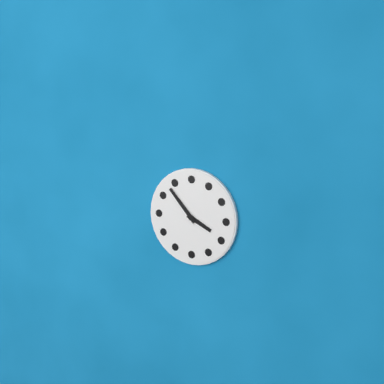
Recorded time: 3:53
